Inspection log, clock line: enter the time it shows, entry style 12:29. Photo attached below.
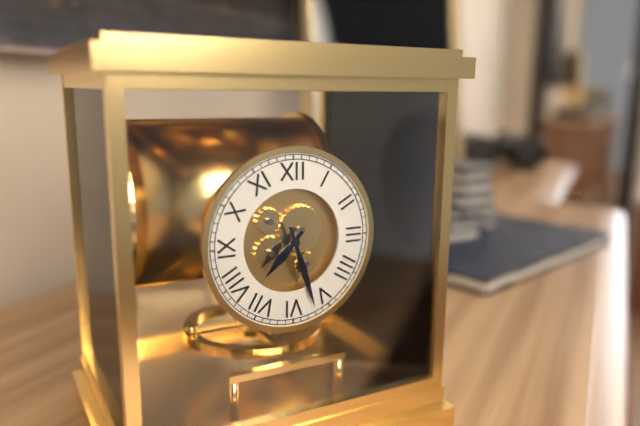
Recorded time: 7:27
